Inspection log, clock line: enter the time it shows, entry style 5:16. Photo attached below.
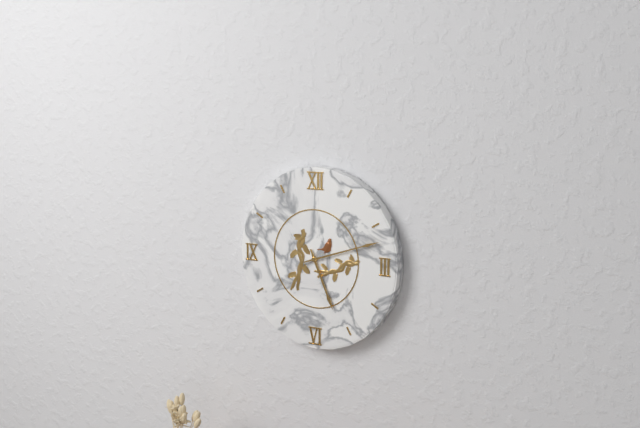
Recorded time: 5:12
